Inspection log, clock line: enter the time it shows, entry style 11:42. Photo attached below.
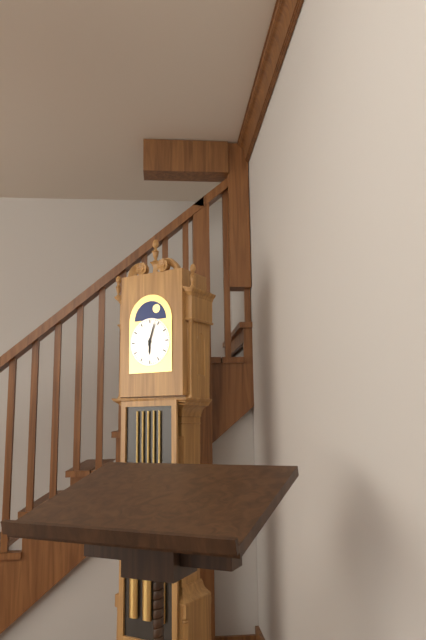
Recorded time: 6:03
